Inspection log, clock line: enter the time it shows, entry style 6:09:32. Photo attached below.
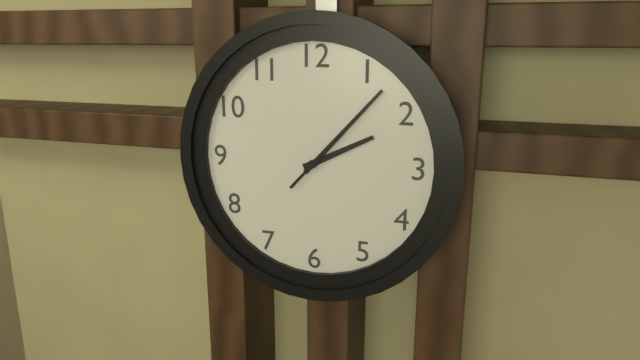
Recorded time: 2:07:07
